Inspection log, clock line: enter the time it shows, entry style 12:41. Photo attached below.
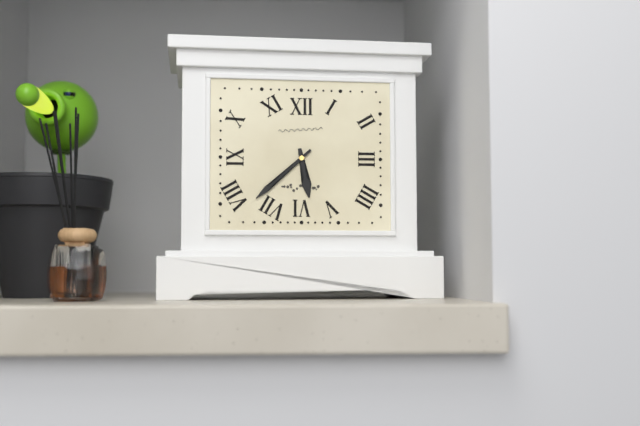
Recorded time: 5:38
